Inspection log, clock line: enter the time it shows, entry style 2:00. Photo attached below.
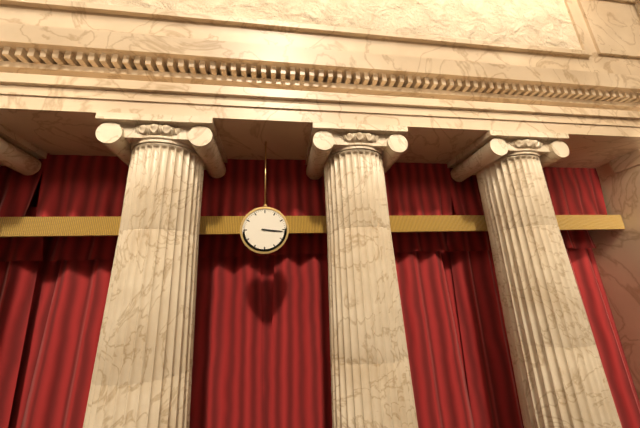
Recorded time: 3:16
